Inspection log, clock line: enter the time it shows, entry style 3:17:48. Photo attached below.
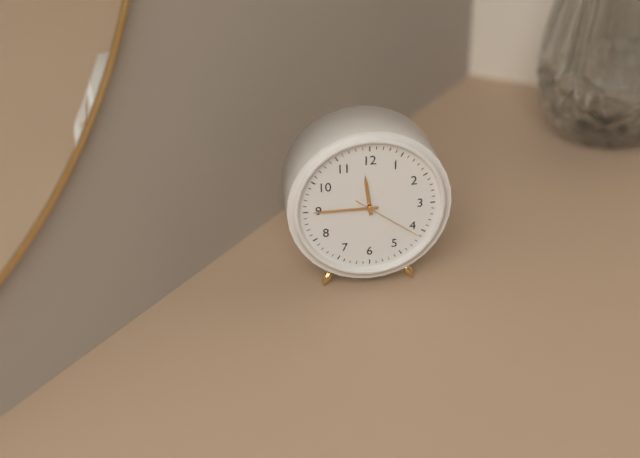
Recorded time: 11:45:21
